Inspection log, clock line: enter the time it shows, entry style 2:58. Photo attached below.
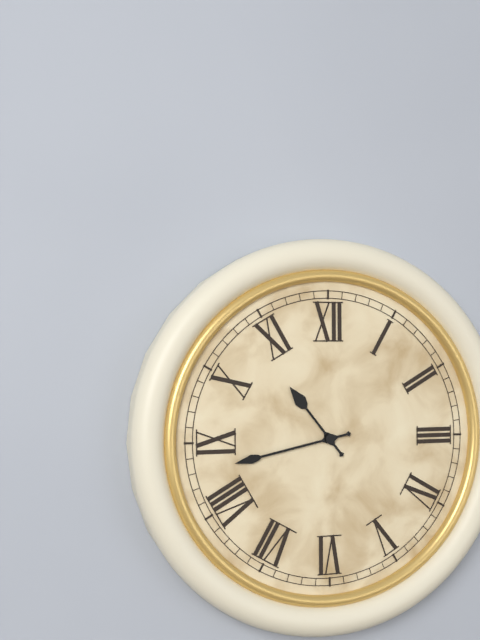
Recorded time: 10:43
